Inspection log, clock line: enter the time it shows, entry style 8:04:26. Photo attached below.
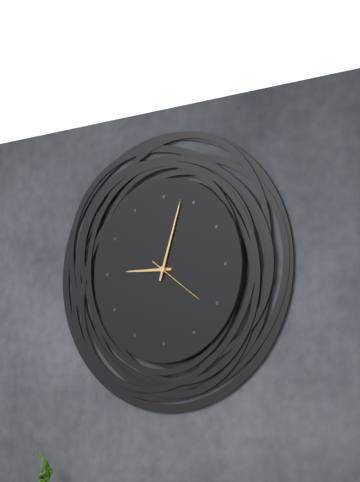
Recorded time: 9:03:21
